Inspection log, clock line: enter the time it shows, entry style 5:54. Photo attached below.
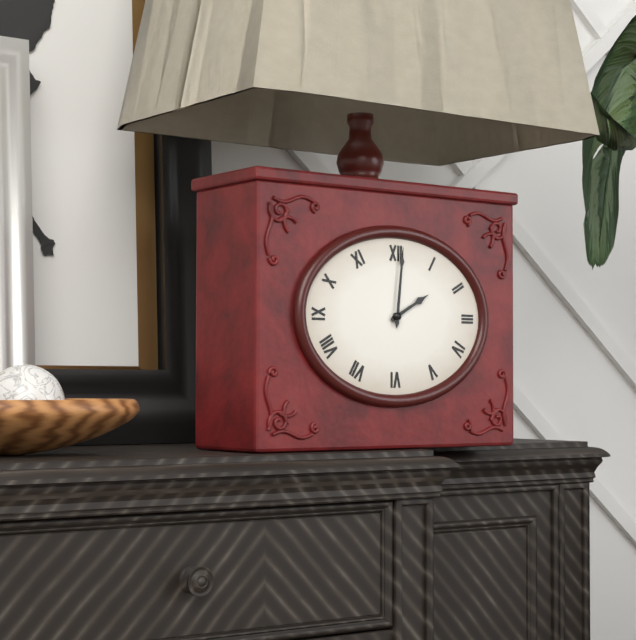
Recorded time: 2:01
